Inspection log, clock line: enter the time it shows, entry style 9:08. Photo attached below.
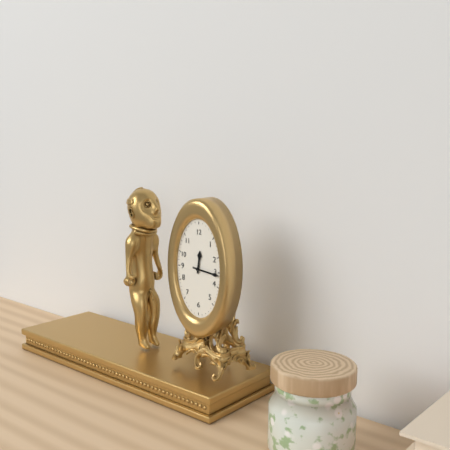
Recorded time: 12:16
